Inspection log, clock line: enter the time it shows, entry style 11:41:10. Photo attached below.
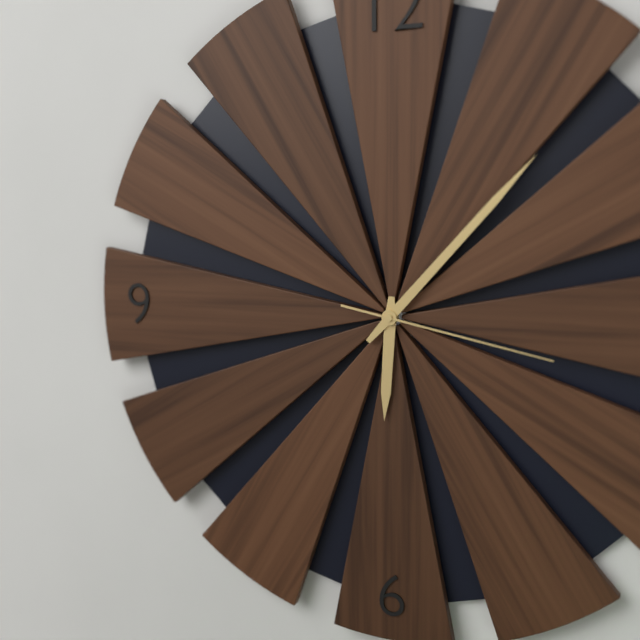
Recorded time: 6:07:17
